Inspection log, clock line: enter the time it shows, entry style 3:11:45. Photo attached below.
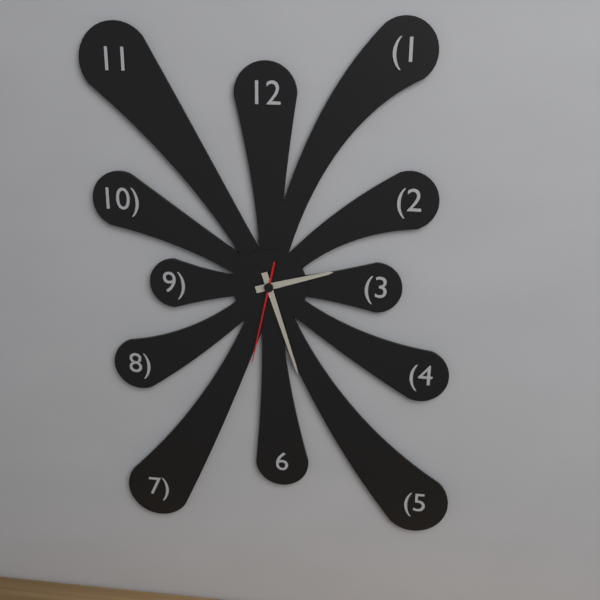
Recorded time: 2:27:32
